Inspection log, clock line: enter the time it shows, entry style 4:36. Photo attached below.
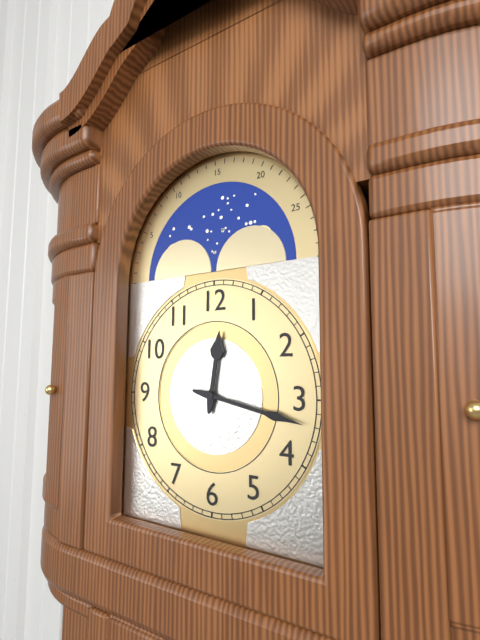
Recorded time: 12:17
